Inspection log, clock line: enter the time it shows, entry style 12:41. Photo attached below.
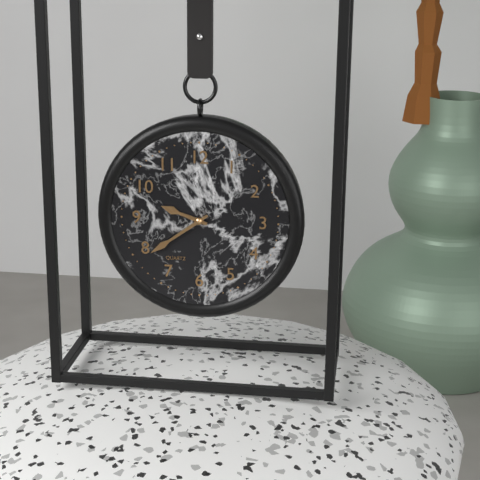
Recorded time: 9:39
